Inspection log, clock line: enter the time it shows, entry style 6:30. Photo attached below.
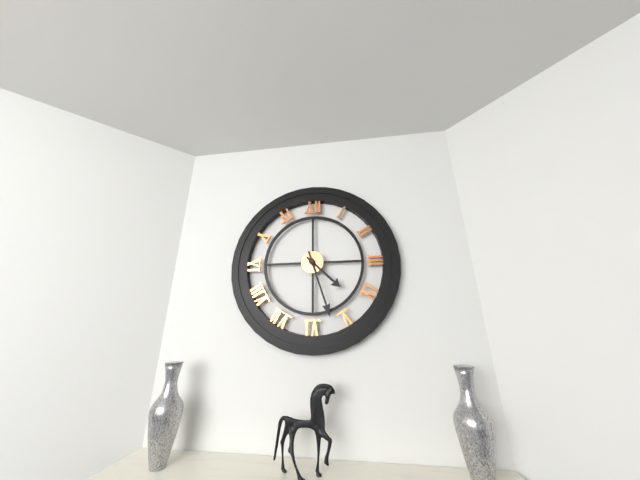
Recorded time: 4:27
